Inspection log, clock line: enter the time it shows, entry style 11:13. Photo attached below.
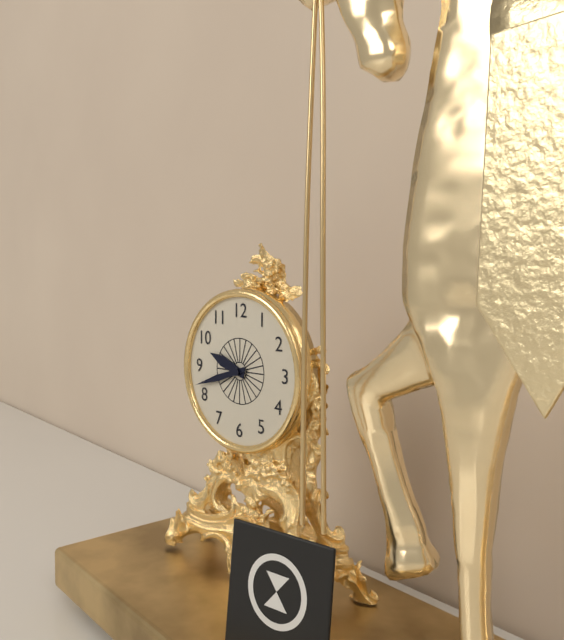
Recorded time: 9:42
